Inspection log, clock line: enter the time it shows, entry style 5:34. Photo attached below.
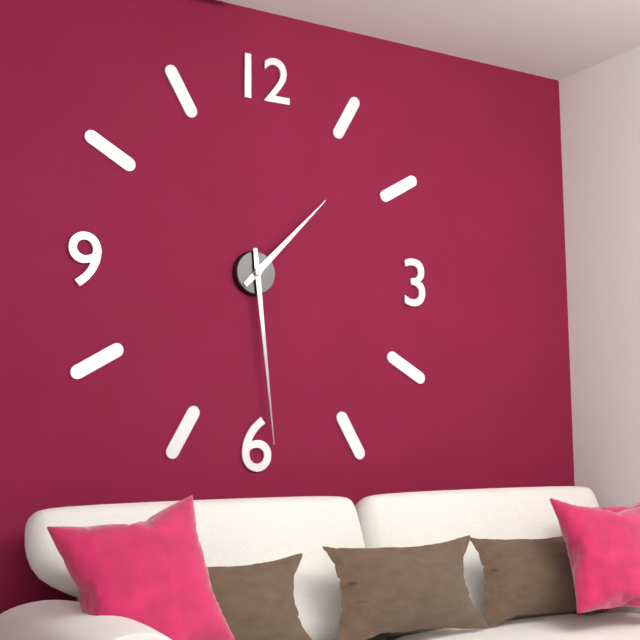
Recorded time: 1:29
